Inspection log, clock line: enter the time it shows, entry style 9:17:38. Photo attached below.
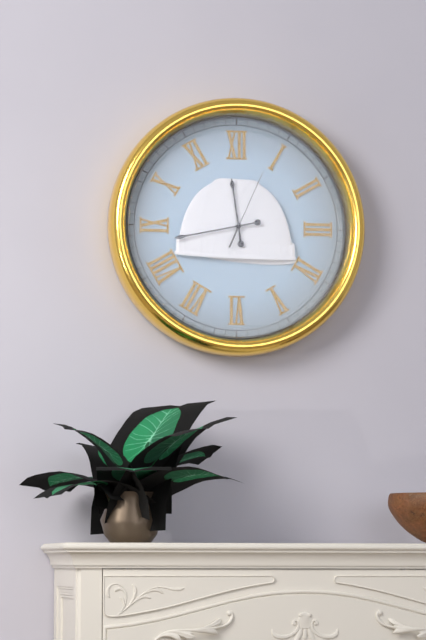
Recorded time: 11:43:04
